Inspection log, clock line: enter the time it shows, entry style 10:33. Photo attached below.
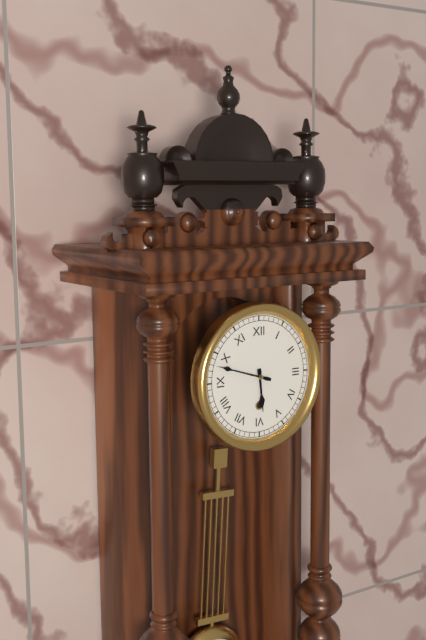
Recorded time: 5:48
